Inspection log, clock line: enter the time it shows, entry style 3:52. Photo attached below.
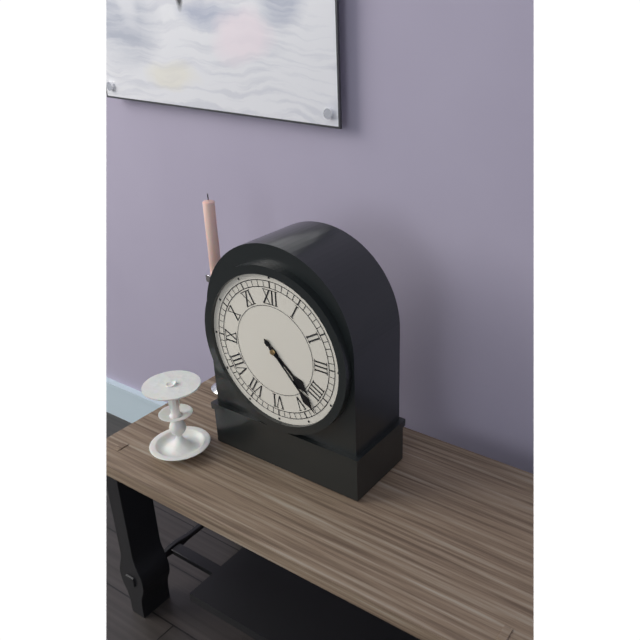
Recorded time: 4:23
